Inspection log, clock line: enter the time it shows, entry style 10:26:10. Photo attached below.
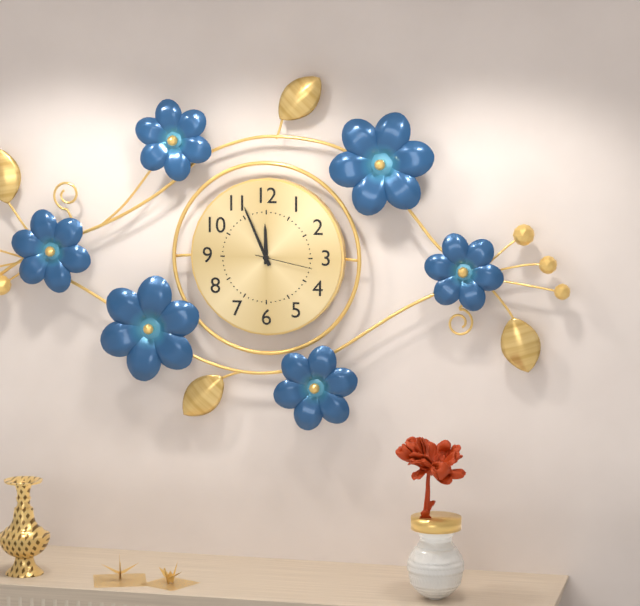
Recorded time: 11:56:17
